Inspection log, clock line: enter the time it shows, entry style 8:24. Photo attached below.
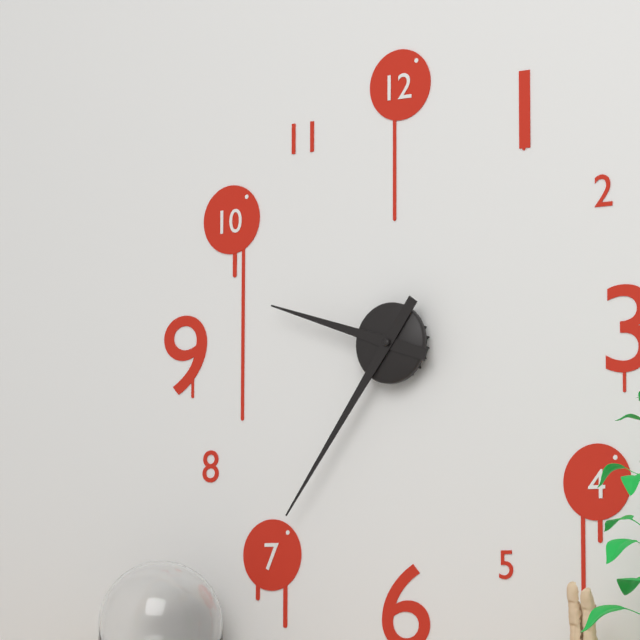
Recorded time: 9:36
